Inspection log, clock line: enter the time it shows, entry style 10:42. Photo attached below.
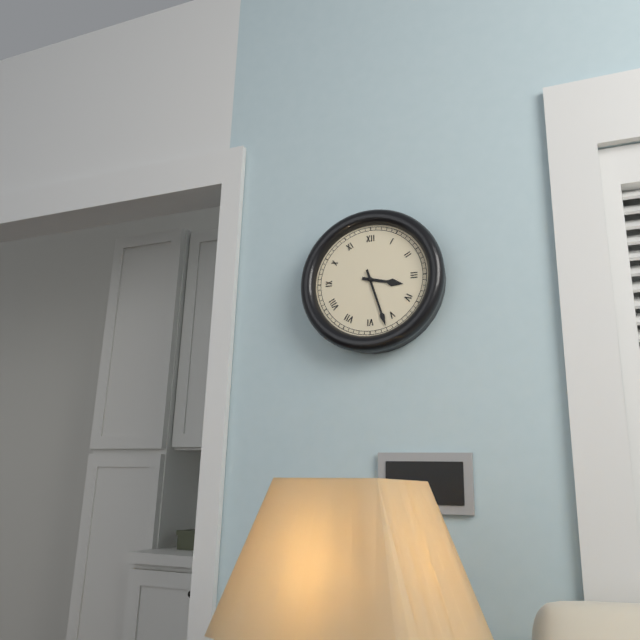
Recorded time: 3:27
